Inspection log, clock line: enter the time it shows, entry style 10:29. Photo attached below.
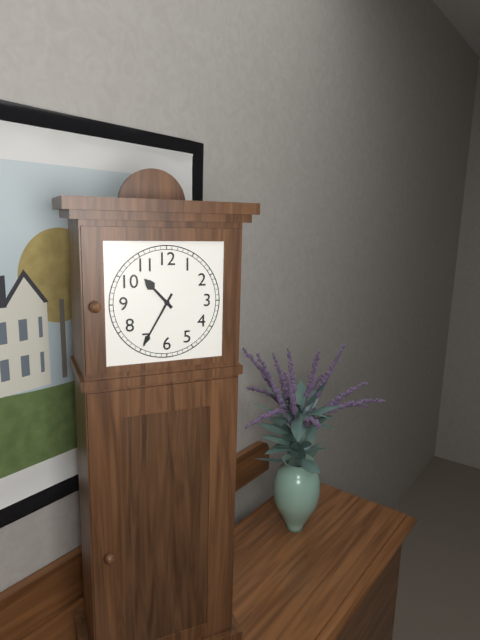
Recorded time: 10:35
